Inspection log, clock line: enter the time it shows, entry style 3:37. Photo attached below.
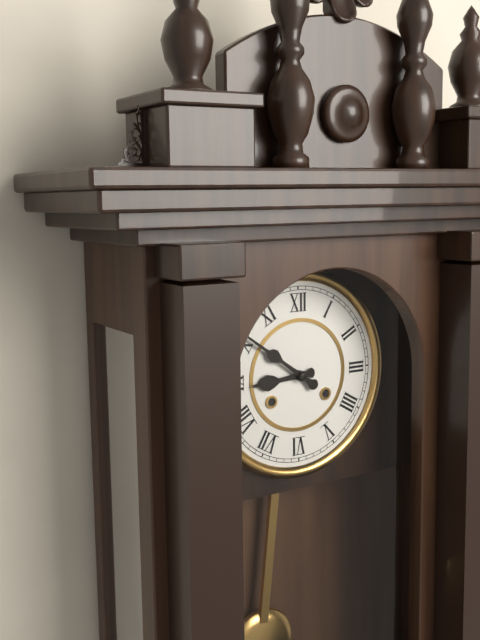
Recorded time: 8:51
